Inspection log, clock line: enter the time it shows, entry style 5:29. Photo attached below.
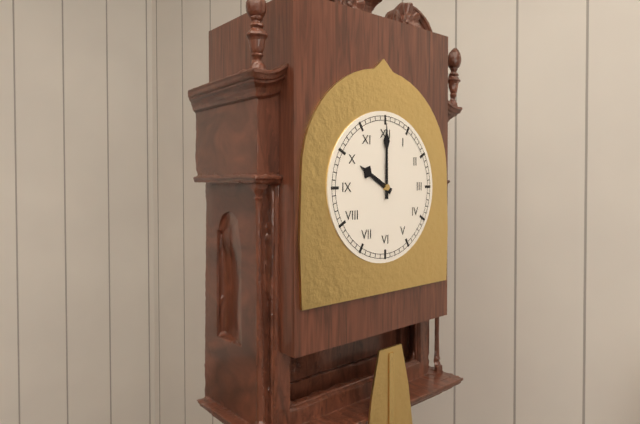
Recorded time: 10:00
